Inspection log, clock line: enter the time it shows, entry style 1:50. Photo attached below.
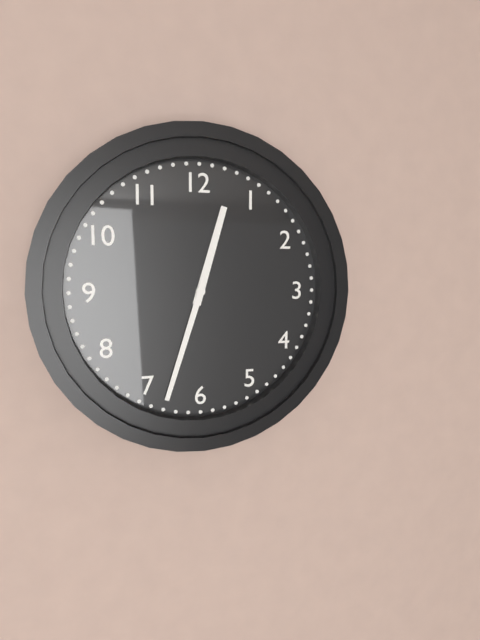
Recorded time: 12:33
